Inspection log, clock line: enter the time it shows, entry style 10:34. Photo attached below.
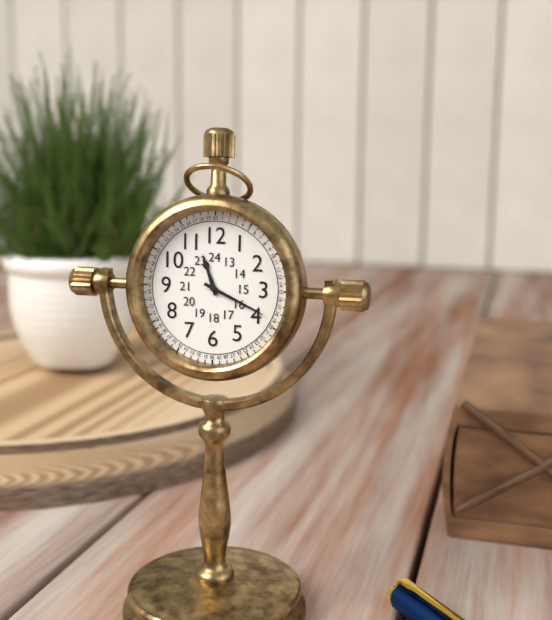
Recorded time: 11:19
